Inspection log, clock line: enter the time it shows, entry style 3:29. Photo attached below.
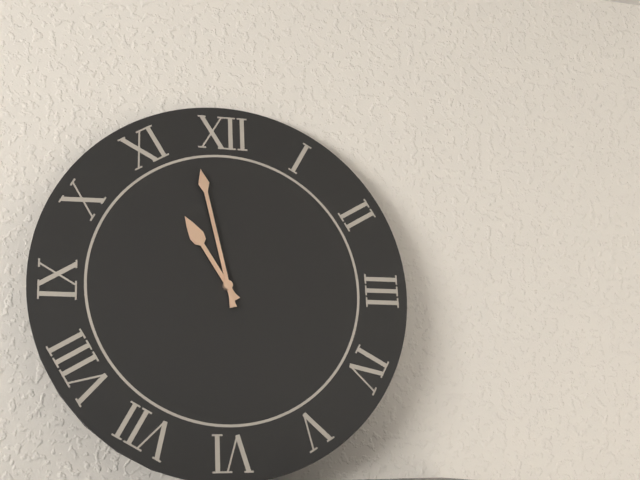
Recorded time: 10:58
